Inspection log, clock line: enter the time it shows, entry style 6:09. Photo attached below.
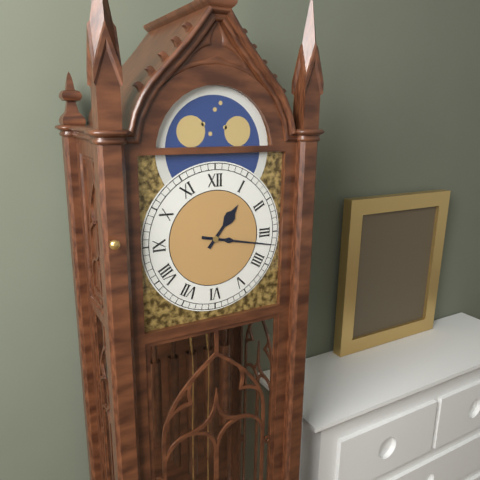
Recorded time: 1:17
